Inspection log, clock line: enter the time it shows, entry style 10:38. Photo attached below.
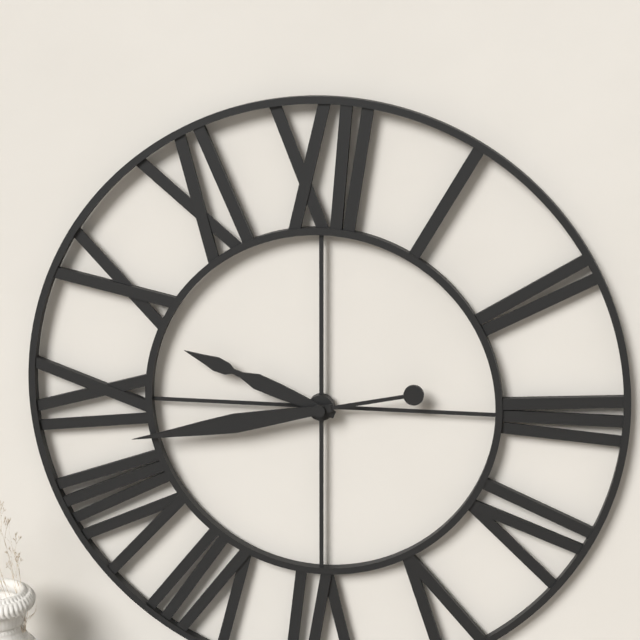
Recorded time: 9:43
